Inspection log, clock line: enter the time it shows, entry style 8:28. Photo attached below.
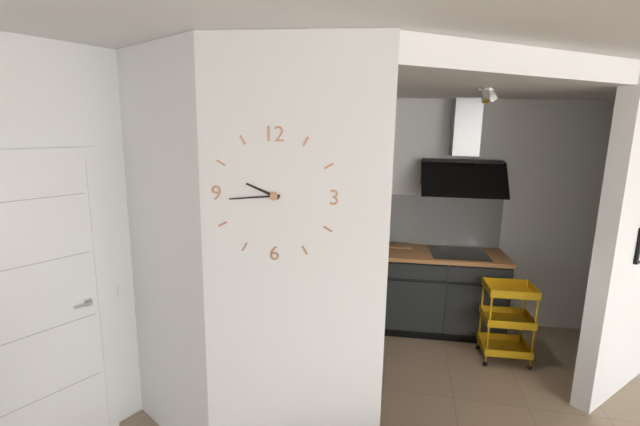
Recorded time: 9:44
